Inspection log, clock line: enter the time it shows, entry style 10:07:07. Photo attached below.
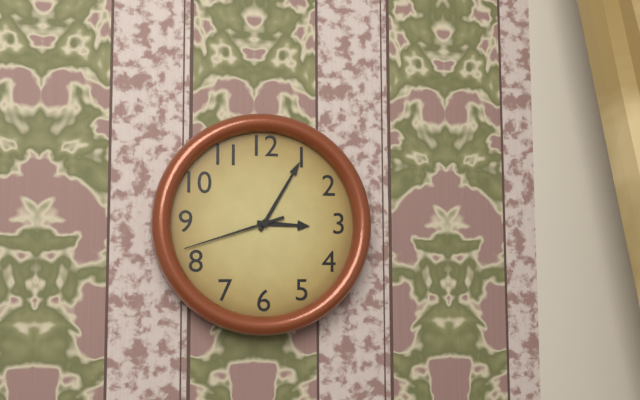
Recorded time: 3:05:42
